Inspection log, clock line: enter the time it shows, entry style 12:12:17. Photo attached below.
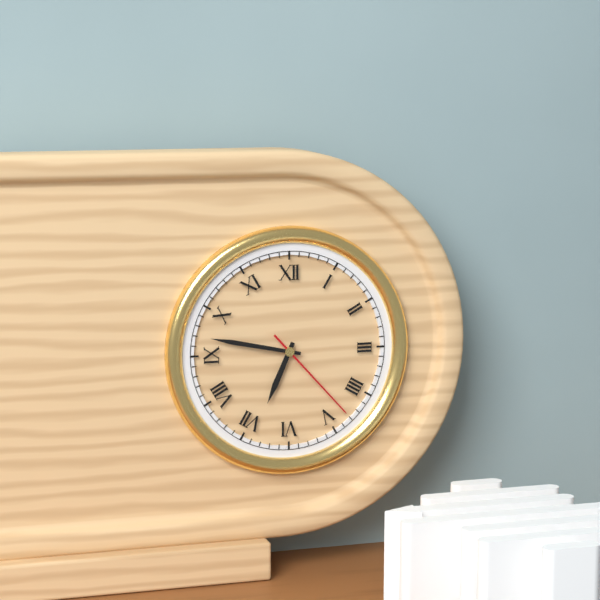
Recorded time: 6:47:23
